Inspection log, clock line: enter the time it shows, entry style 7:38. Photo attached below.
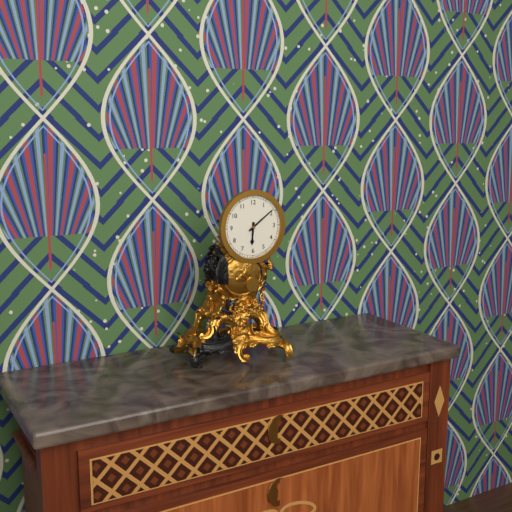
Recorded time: 6:09
